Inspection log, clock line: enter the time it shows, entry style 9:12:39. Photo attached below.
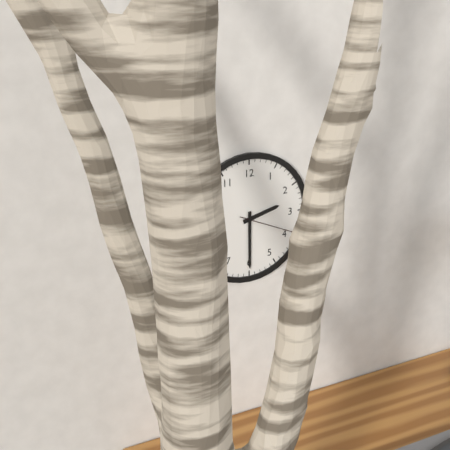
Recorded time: 2:30:19
